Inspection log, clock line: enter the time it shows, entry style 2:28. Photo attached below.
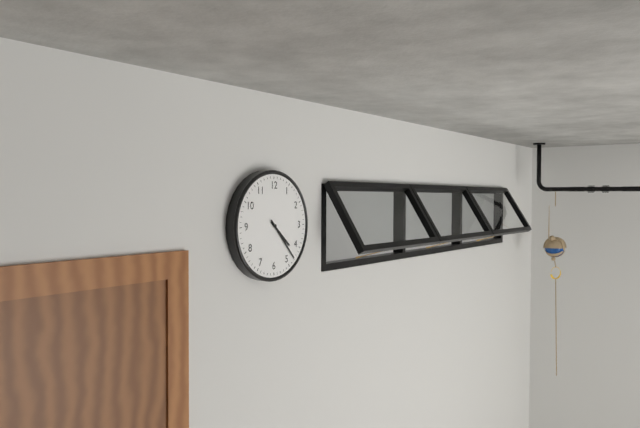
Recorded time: 4:23
